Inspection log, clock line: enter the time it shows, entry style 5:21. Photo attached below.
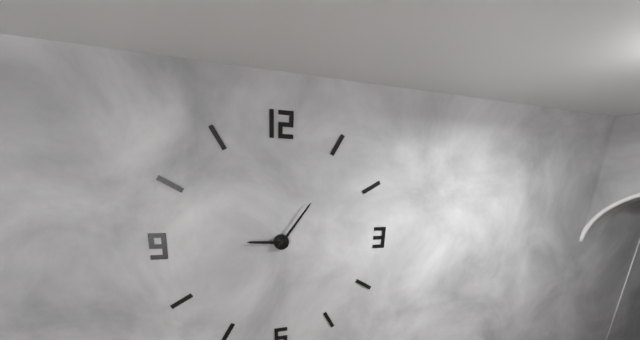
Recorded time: 9:06
